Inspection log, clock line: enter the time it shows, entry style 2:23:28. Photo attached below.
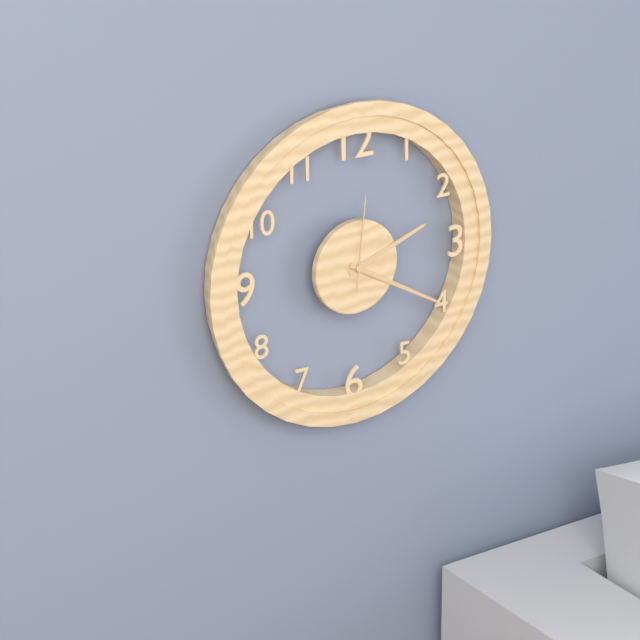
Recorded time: 2:20:01
